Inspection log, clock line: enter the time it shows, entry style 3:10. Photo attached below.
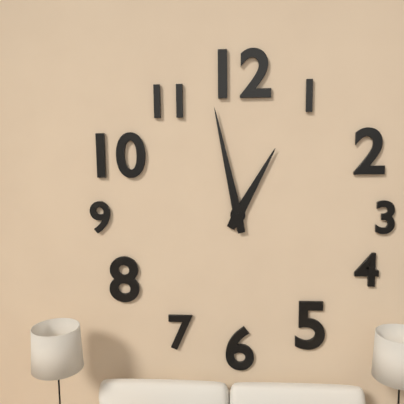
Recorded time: 12:58
